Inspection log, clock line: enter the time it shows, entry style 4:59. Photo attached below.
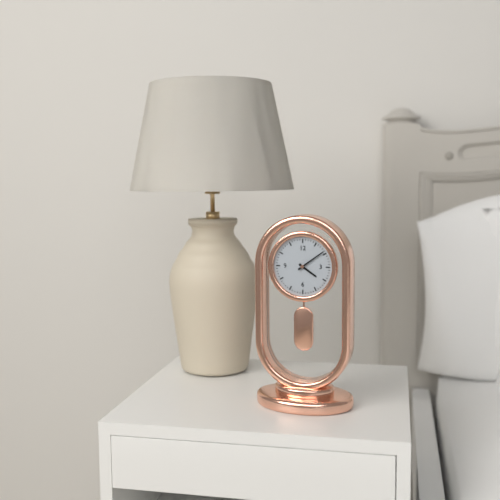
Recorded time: 4:09
